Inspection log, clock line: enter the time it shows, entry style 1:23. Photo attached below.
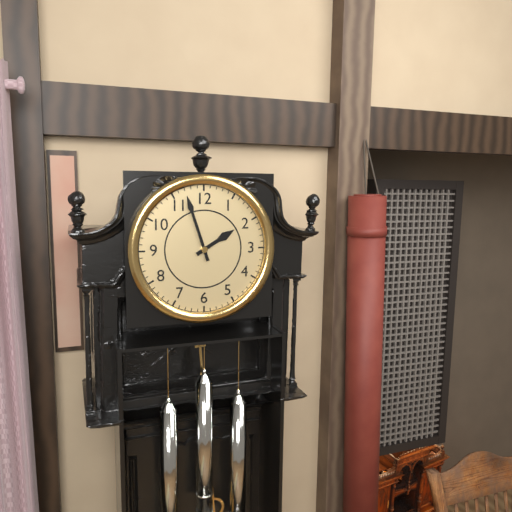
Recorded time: 1:57
